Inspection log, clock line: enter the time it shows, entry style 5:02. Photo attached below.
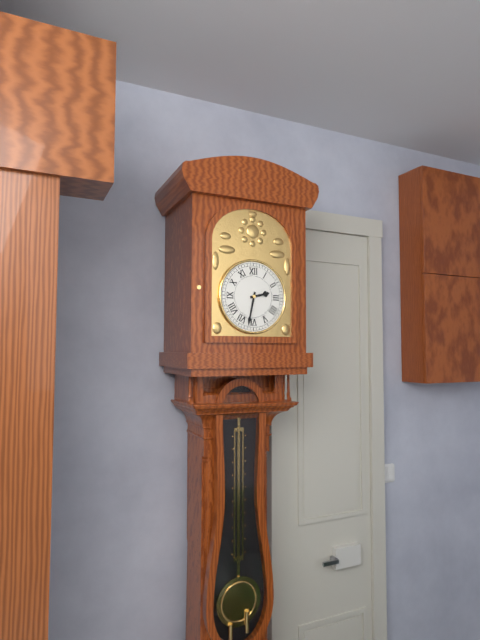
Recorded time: 2:32
